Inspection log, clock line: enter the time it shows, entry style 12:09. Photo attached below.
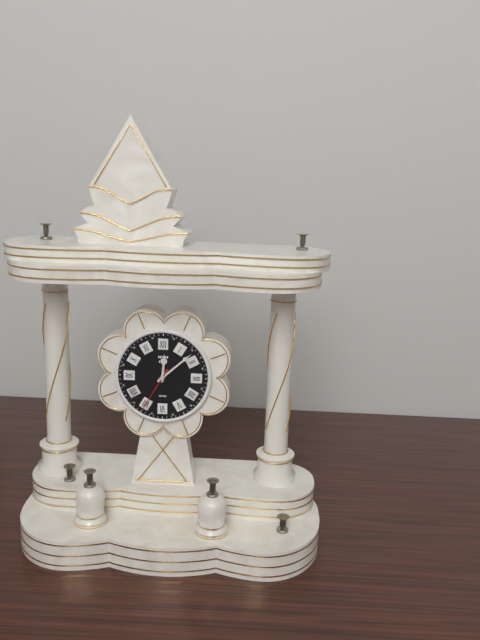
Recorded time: 12:08
